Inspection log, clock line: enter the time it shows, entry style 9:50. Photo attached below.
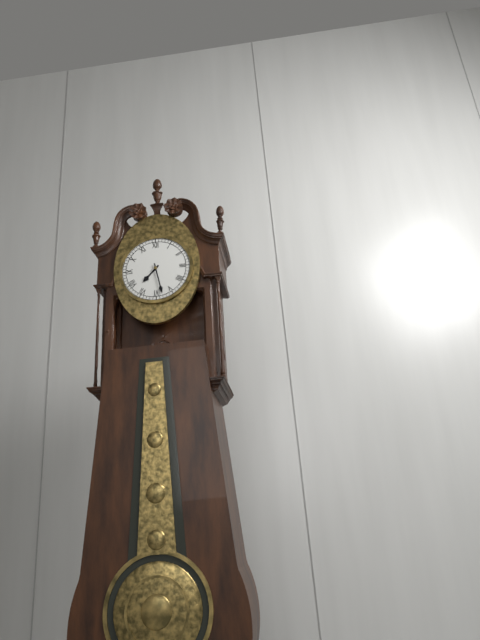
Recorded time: 7:28
